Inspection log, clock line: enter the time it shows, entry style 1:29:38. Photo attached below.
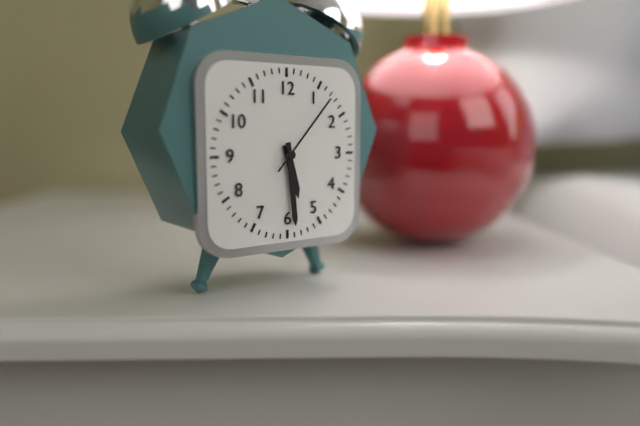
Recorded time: 5:29:07
